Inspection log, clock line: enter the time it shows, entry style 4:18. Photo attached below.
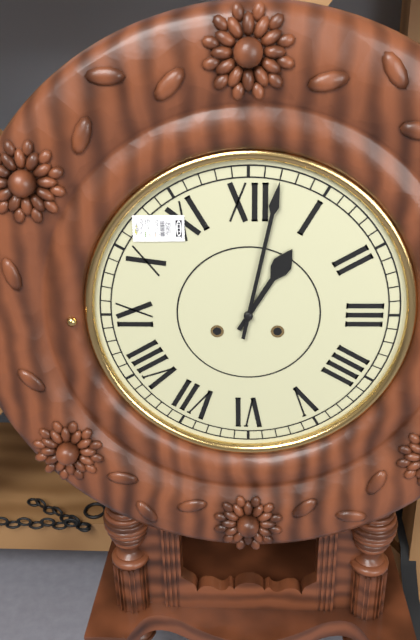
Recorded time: 1:02
